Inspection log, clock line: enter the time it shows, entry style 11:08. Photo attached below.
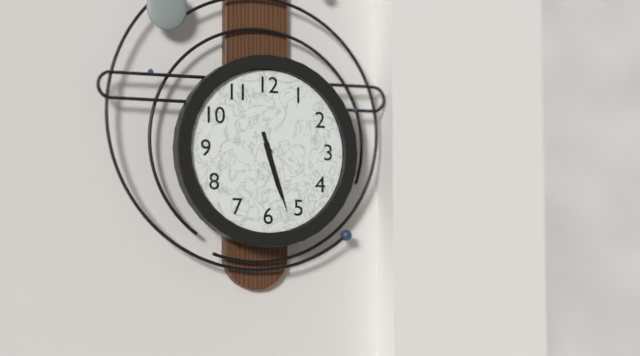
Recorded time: 5:27
